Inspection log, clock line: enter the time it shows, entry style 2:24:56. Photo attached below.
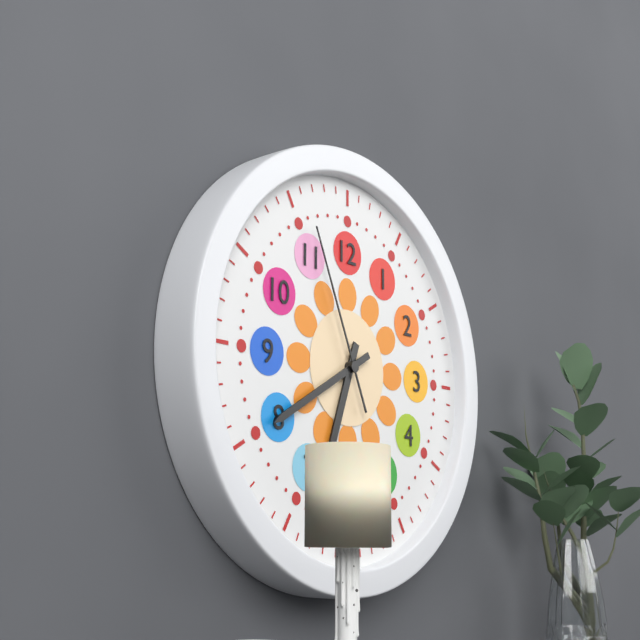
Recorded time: 6:40:56
